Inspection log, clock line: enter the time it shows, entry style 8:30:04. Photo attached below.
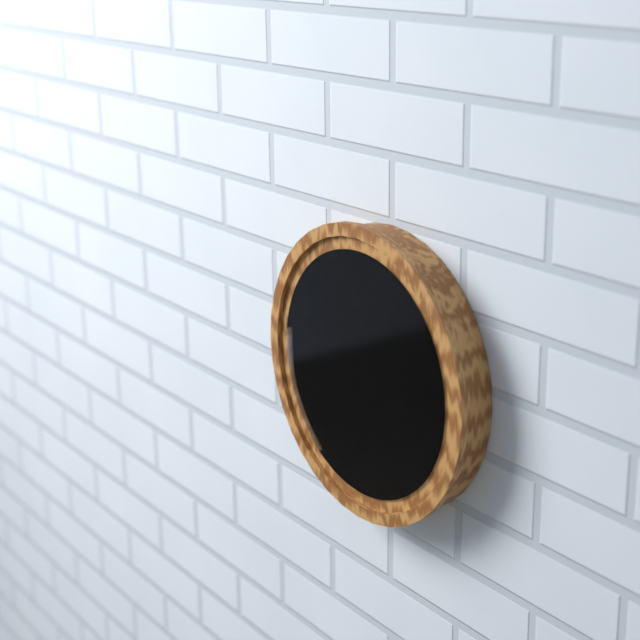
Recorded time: 1:33:31
